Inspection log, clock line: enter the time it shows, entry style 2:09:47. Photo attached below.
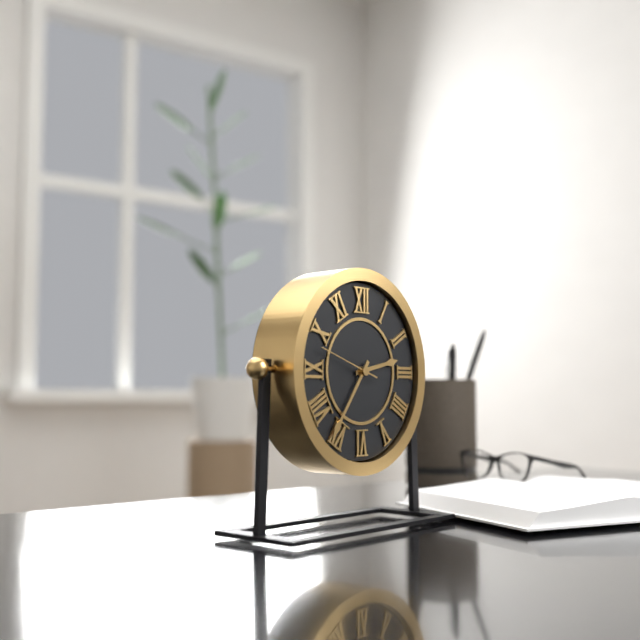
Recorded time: 2:36:48
